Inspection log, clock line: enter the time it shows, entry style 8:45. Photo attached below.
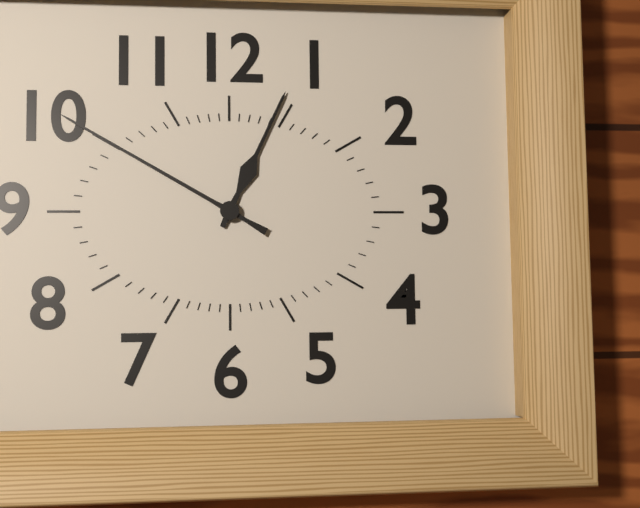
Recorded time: 12:50
